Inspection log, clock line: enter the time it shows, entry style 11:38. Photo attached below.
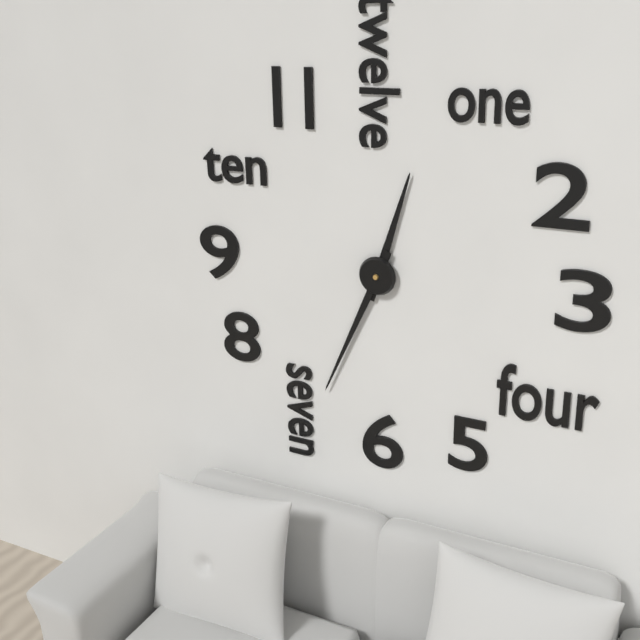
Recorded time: 12:34
